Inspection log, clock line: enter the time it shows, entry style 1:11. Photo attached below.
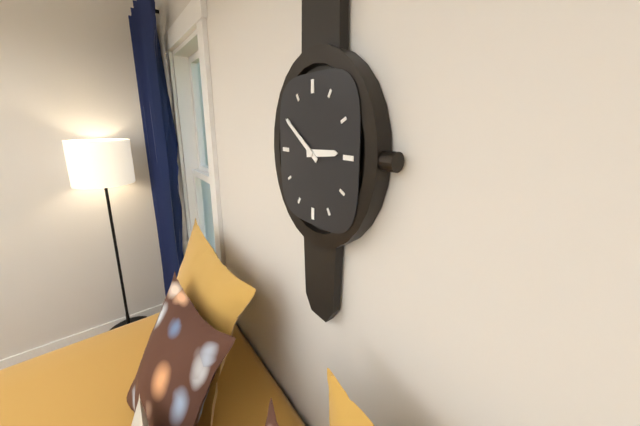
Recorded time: 2:51
